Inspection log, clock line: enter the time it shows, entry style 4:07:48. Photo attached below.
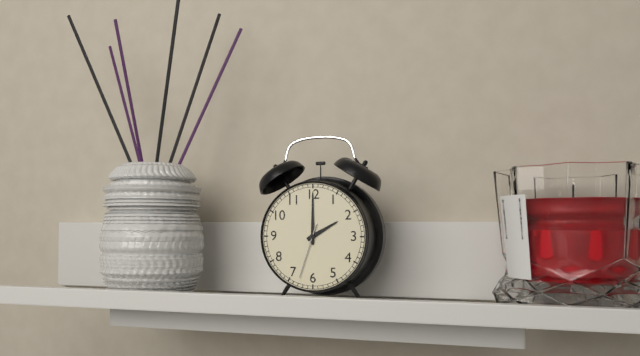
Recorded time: 2:00:33
